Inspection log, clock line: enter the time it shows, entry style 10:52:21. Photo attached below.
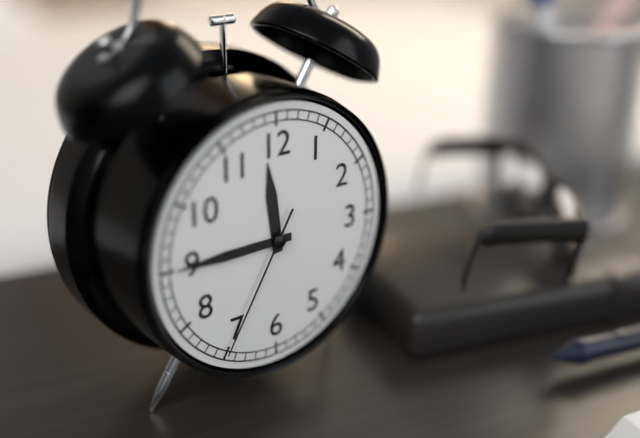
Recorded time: 11:45:35
